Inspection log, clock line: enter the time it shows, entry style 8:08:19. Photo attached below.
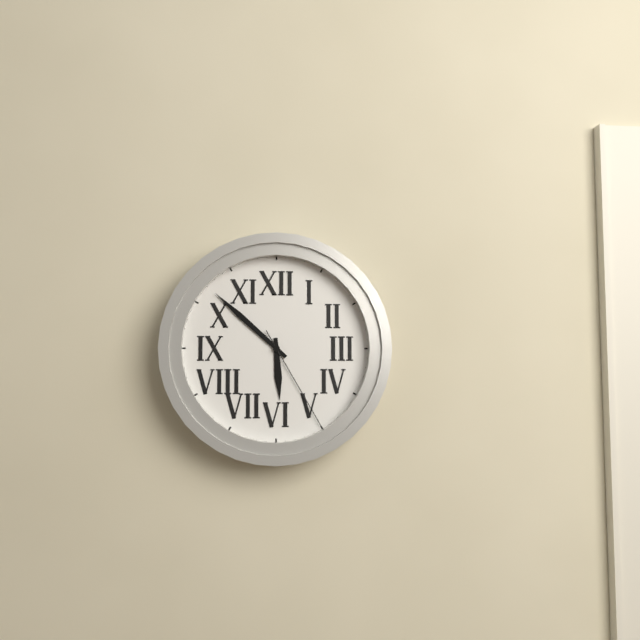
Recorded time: 5:52:25
